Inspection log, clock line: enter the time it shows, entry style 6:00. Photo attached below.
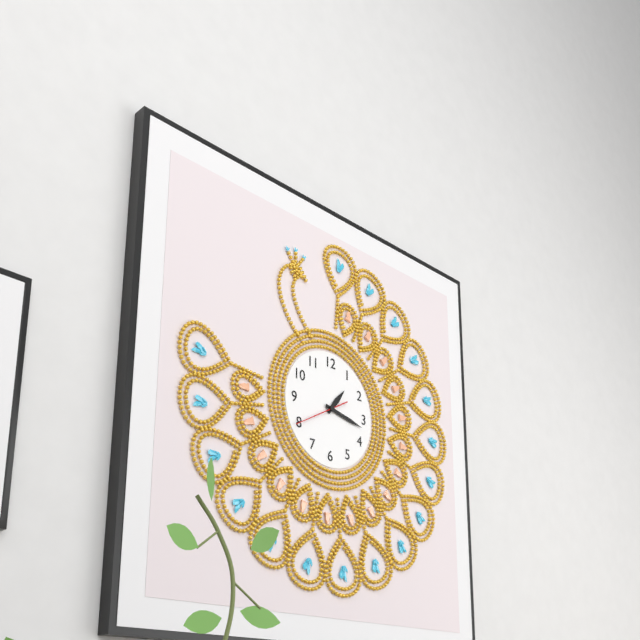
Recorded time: 1:17
